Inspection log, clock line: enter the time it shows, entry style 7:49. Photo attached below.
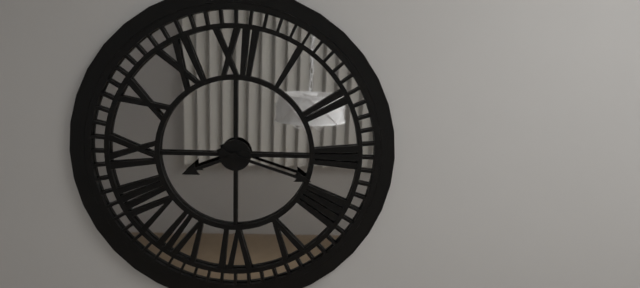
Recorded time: 8:18
